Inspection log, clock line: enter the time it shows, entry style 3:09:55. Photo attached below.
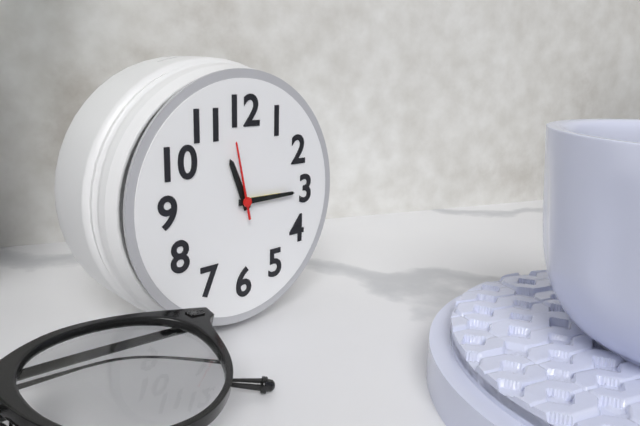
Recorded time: 11:15:58
